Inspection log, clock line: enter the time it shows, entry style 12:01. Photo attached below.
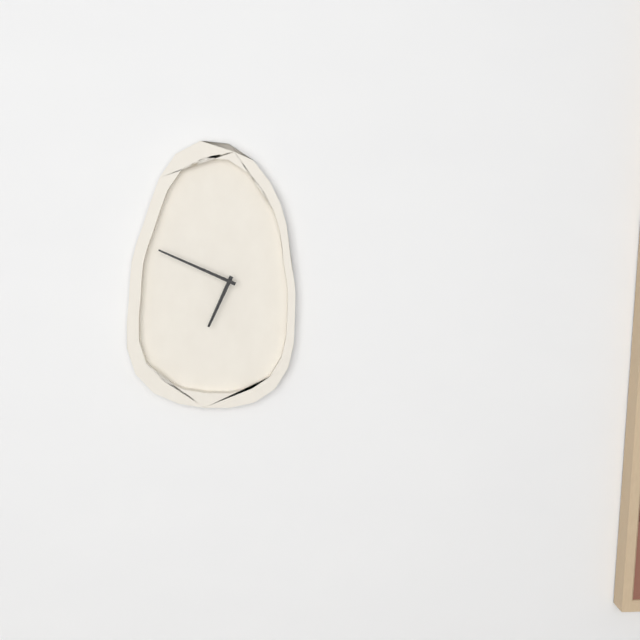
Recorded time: 6:49
